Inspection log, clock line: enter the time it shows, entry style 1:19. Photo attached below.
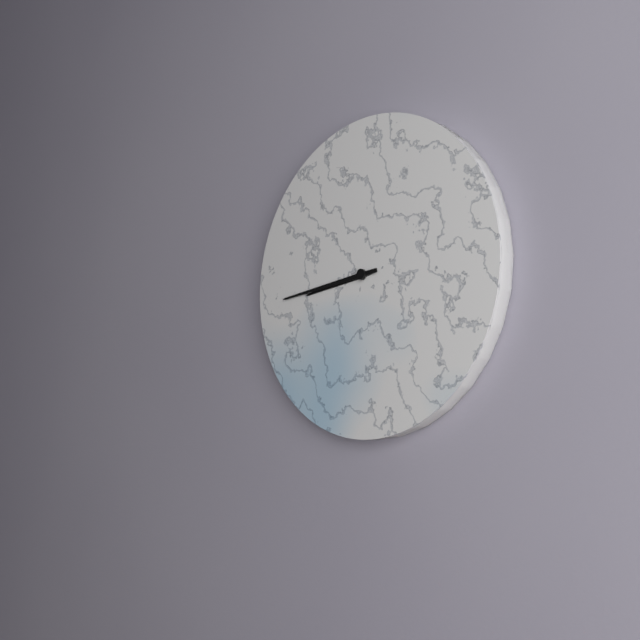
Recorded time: 8:44
